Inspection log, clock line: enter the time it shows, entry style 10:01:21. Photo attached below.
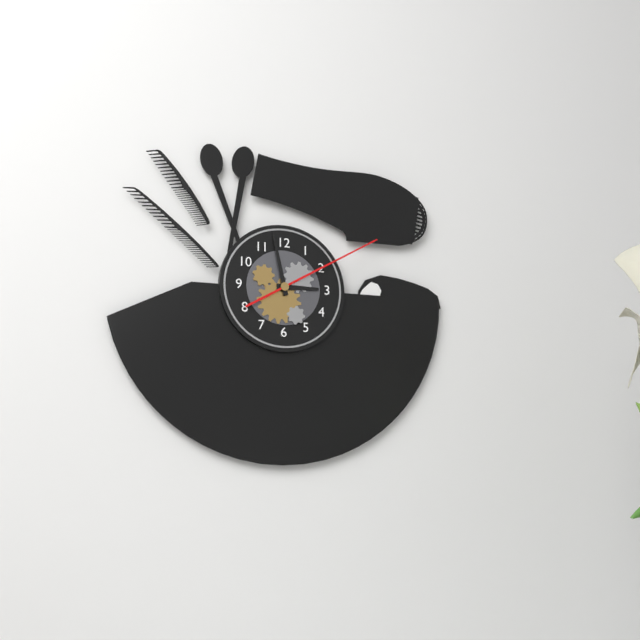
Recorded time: 2:58:10
